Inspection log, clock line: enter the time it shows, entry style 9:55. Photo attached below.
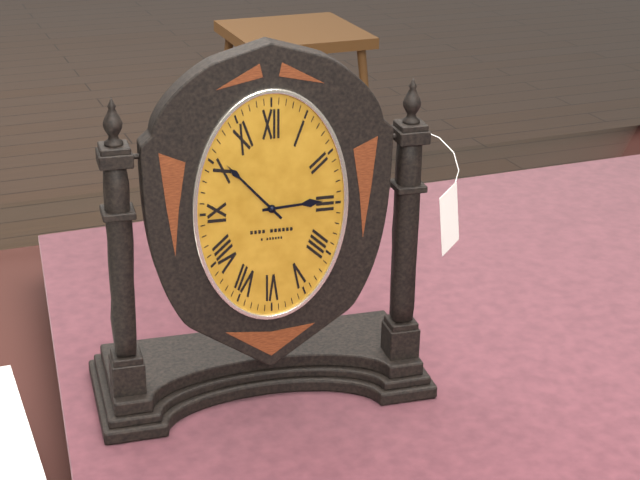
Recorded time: 2:53
